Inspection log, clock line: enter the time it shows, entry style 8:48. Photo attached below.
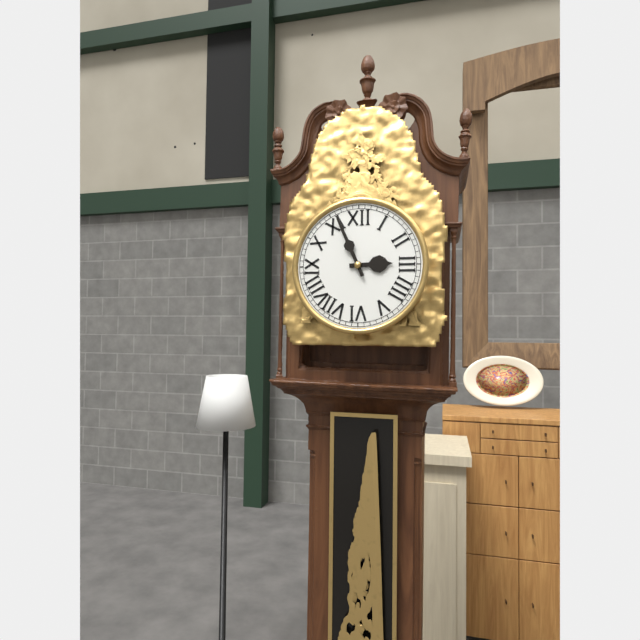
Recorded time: 2:56
